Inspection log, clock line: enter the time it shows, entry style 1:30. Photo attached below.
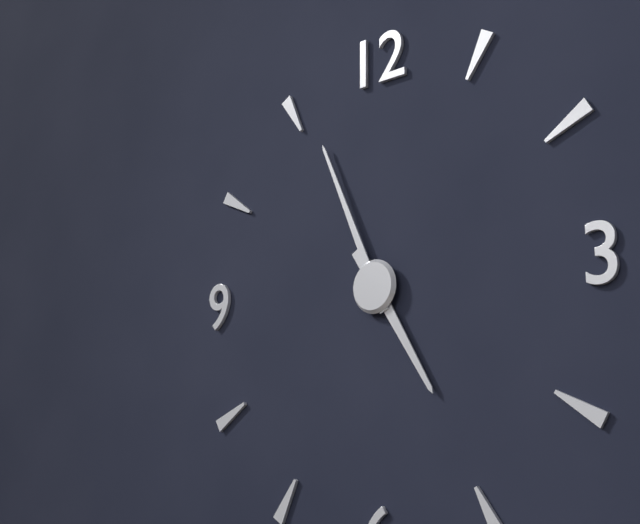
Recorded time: 4:56
